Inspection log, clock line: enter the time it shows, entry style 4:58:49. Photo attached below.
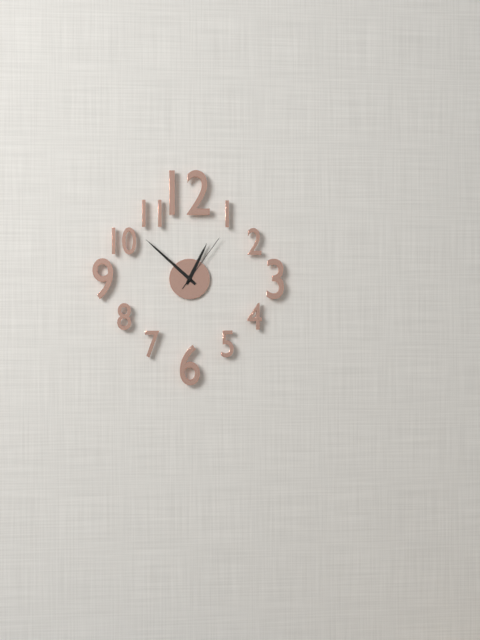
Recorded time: 12:52:06
